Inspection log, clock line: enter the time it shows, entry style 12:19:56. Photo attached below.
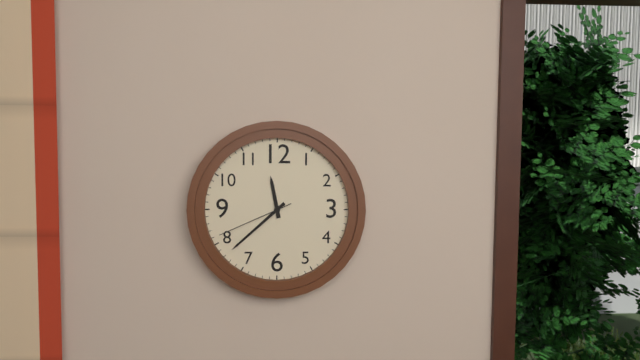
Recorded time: 11:38:41
